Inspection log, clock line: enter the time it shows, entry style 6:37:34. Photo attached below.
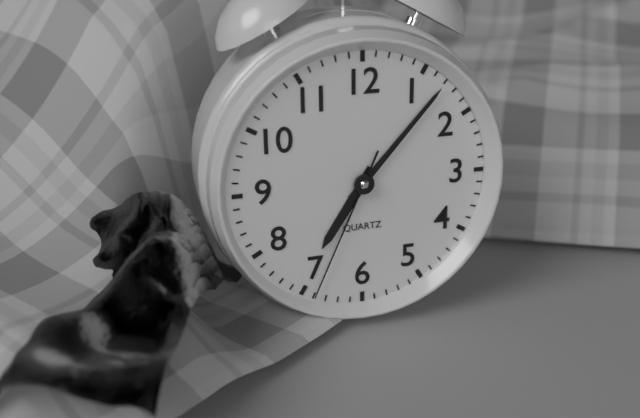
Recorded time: 7:07:34
